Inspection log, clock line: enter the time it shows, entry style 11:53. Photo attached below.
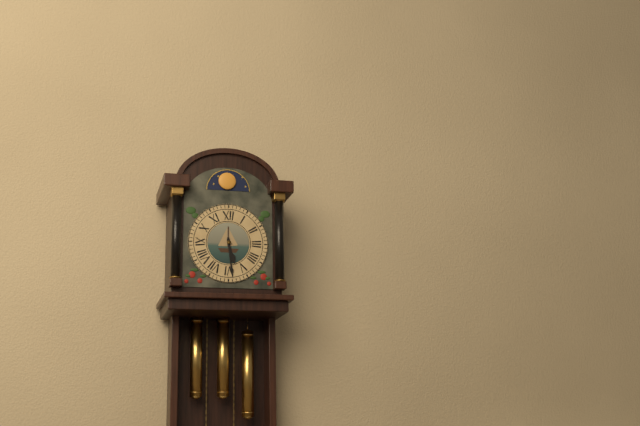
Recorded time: 5:29
